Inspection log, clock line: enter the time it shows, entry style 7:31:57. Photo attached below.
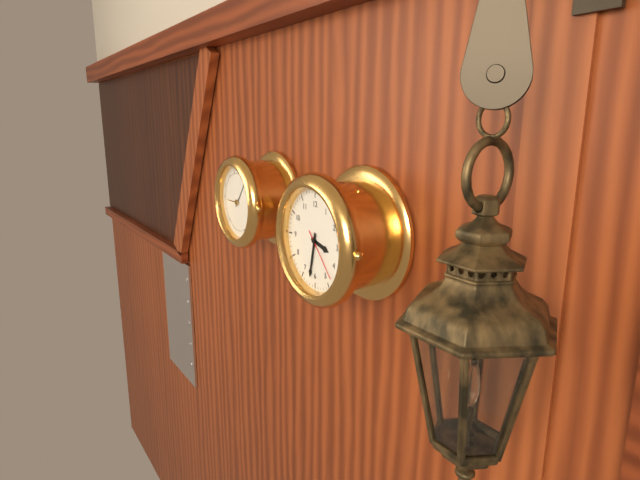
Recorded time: 3:32:23
